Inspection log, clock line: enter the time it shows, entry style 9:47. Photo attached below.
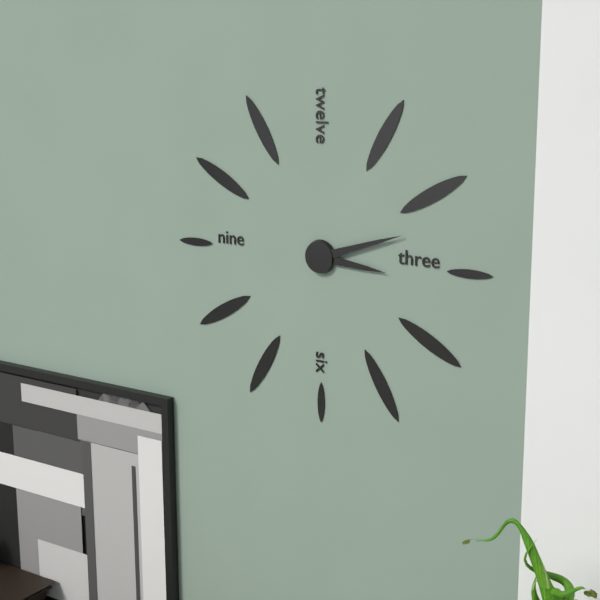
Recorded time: 3:12
